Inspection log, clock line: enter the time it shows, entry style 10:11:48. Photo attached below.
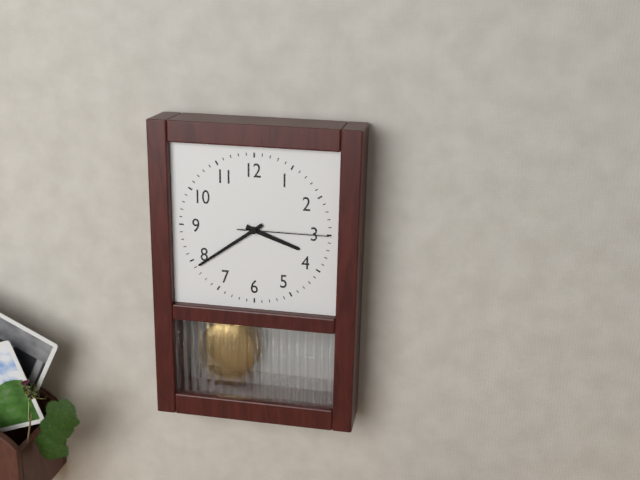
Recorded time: 3:39:15
